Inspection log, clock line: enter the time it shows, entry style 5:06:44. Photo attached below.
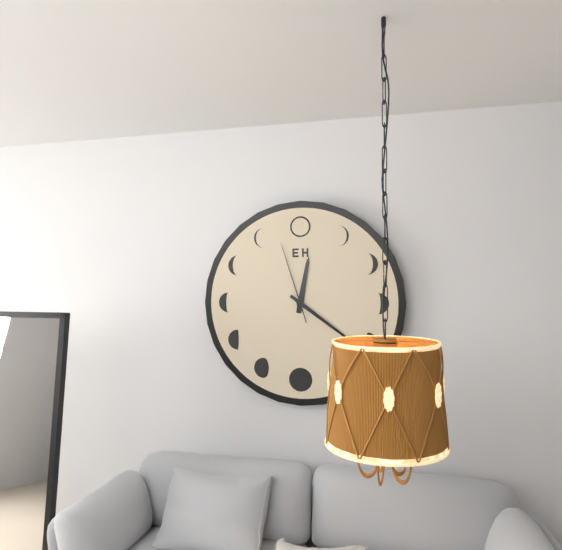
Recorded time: 12:21:57
